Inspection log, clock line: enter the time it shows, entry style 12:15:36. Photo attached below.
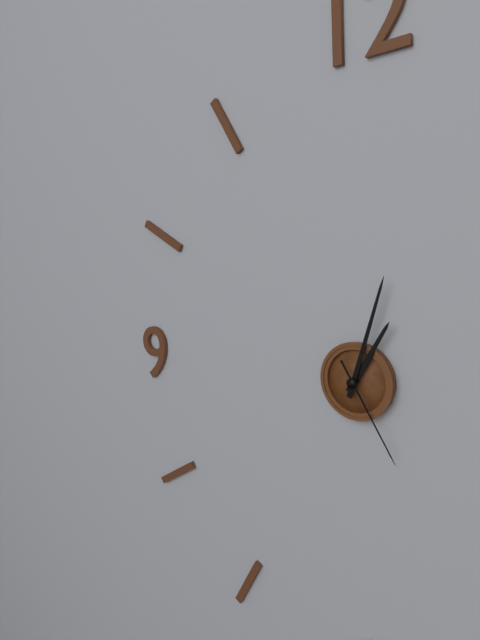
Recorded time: 1:03:25
